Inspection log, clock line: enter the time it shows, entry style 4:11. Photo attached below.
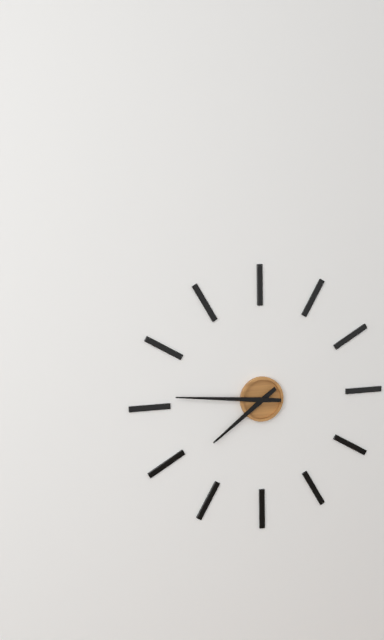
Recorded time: 7:46
